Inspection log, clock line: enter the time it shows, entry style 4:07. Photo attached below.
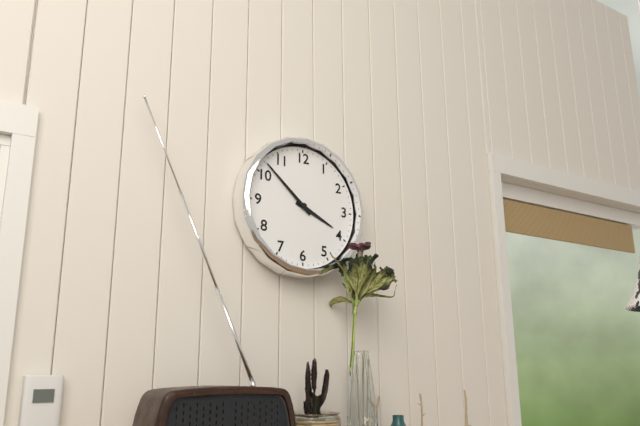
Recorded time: 3:52
